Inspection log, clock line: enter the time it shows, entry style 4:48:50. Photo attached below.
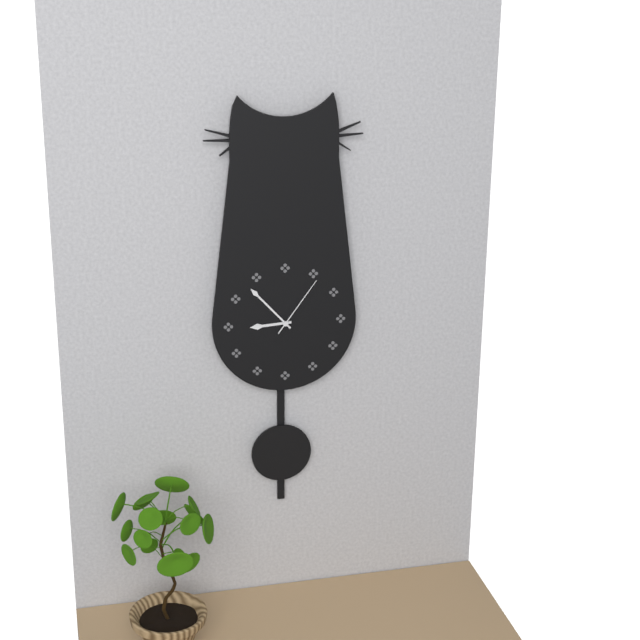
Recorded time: 8:53:06
